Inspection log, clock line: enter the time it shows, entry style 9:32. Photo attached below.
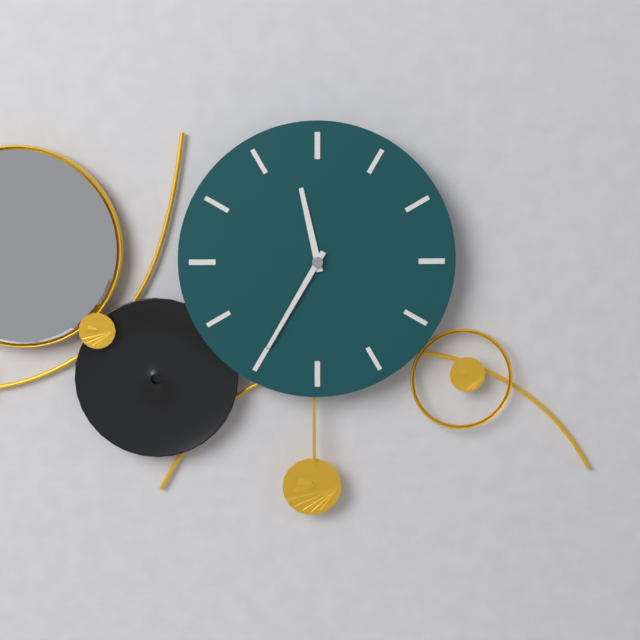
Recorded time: 11:35
